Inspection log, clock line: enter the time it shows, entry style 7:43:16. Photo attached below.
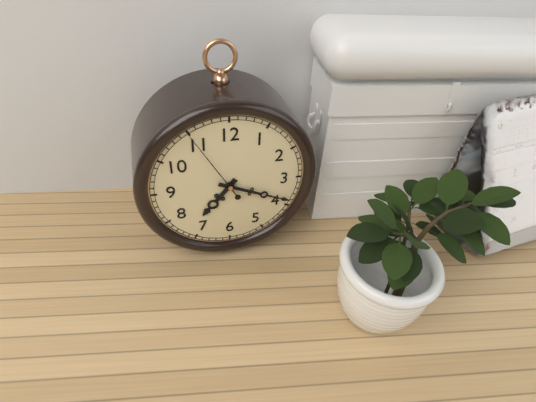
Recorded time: 7:19:55
